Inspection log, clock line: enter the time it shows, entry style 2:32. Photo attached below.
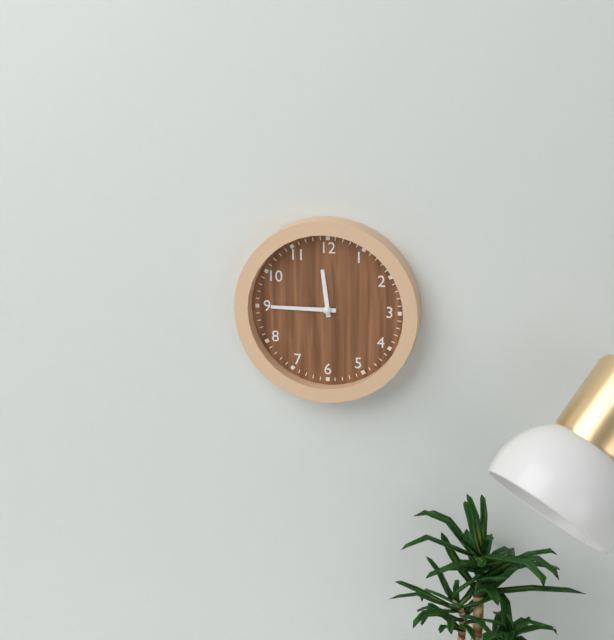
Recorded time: 11:45
